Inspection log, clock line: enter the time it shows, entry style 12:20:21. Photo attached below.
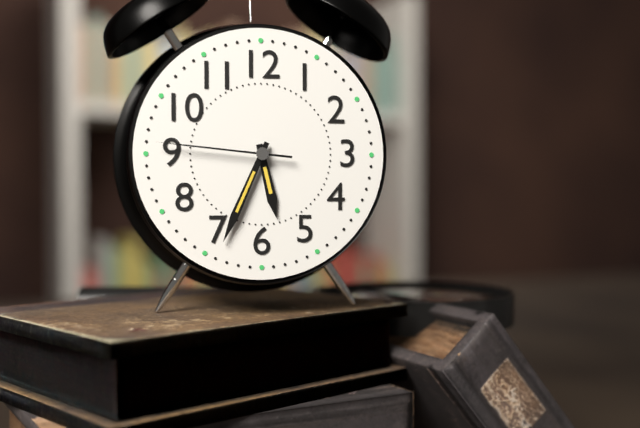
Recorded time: 5:34:46
